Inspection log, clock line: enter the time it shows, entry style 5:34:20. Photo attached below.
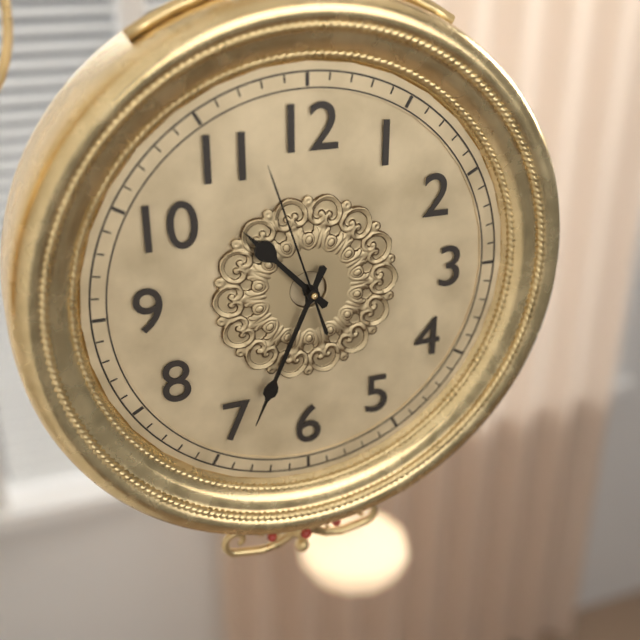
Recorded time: 10:34:57
